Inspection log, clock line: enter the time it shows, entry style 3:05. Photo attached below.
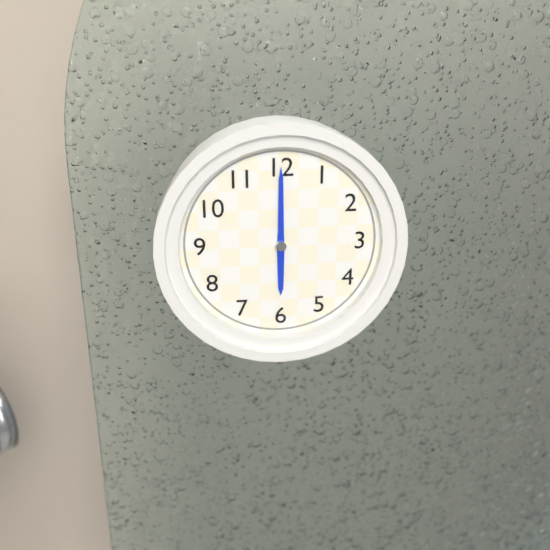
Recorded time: 6:00
